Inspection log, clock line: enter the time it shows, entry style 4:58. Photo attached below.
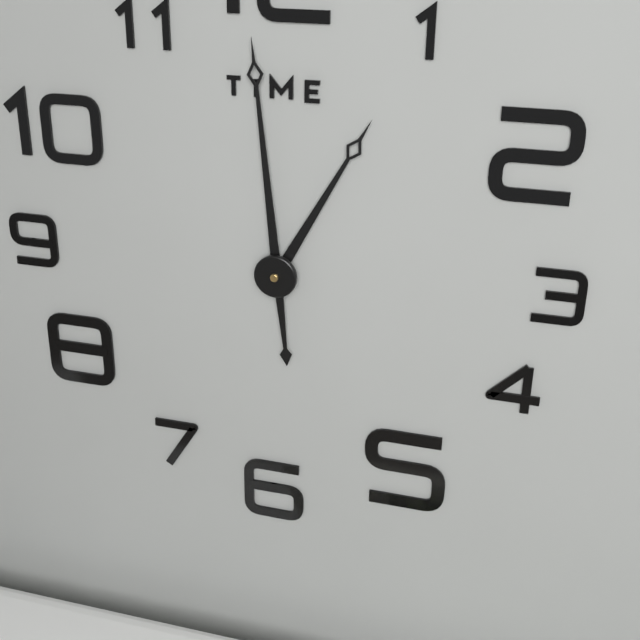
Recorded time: 12:59
